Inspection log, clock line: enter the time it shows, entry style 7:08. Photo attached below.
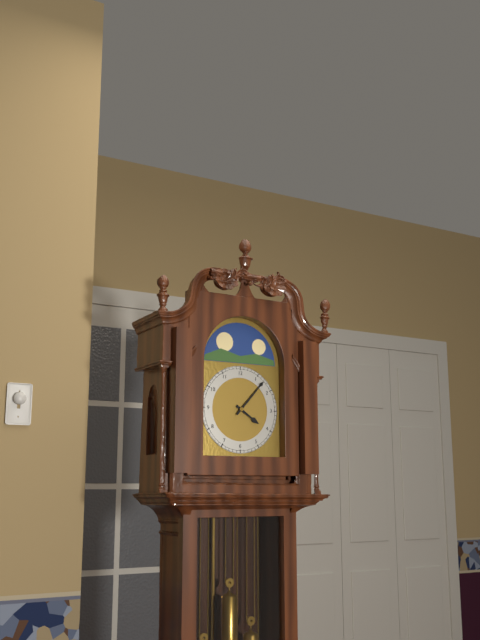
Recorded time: 4:07
